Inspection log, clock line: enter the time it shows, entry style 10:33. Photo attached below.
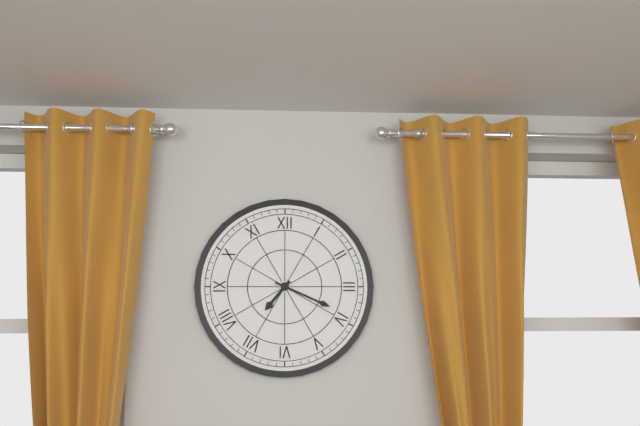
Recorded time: 7:19
